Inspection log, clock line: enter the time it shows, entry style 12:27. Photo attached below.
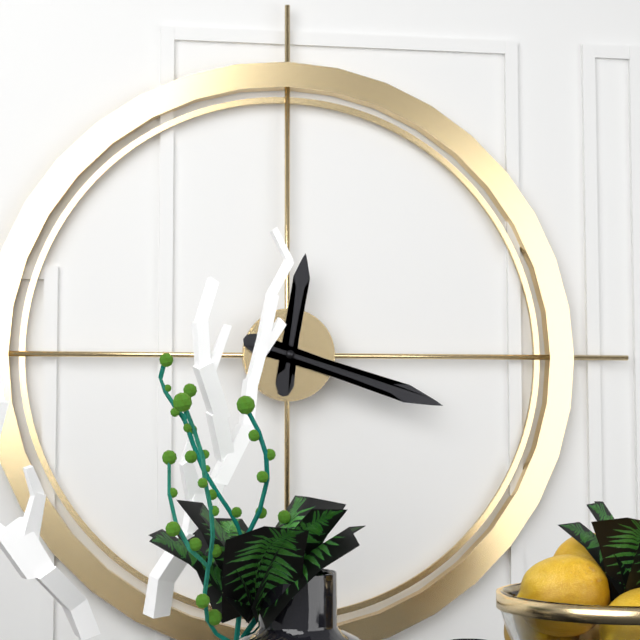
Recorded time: 12:18
